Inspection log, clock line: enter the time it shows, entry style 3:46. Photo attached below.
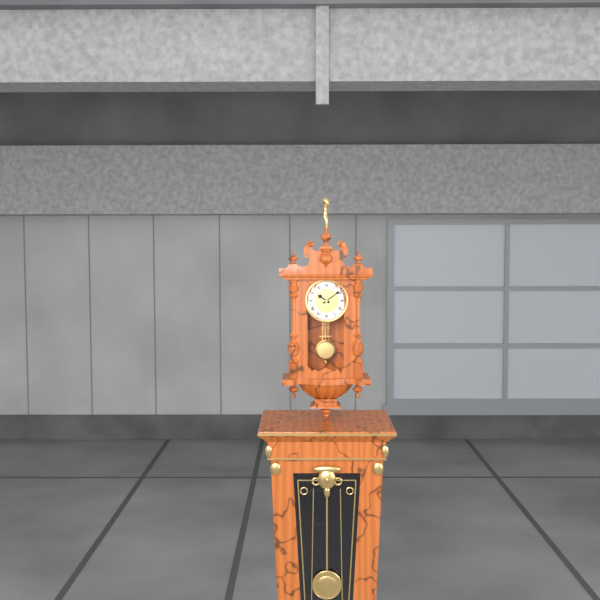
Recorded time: 10:09
